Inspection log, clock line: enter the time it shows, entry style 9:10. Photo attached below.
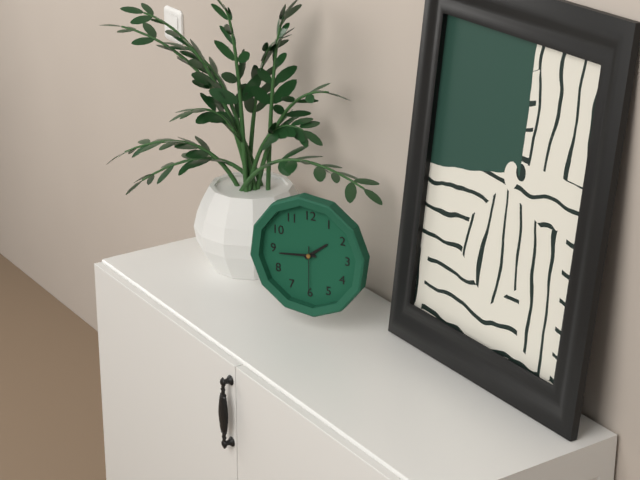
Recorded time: 1:44
